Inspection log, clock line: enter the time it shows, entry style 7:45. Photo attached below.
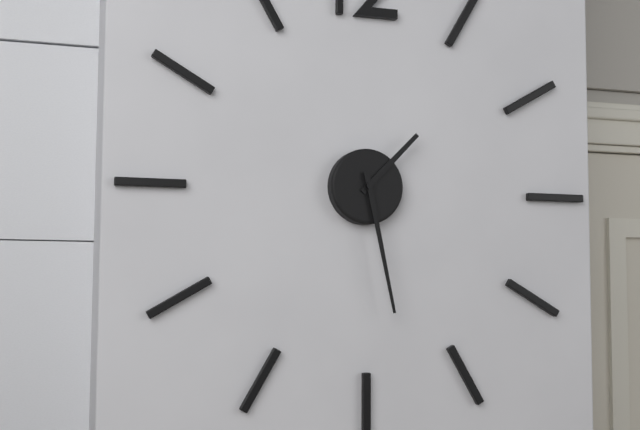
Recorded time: 1:28
